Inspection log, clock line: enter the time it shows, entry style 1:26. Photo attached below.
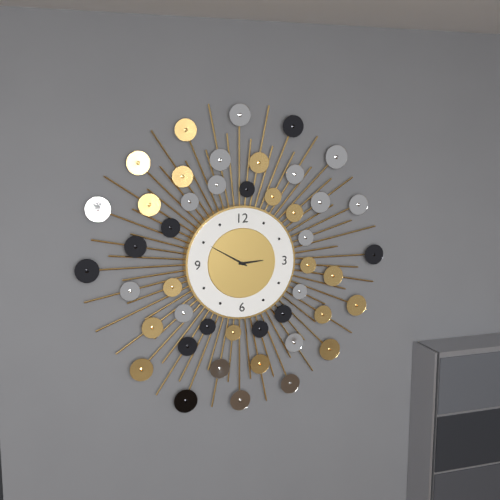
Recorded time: 2:50
